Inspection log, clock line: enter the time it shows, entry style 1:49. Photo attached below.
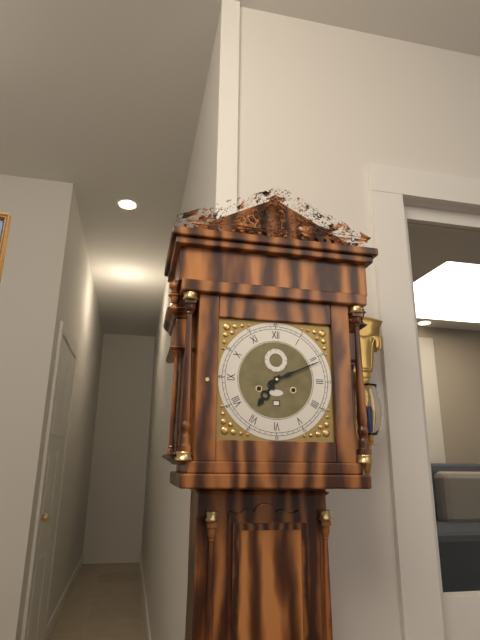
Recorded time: 7:11
